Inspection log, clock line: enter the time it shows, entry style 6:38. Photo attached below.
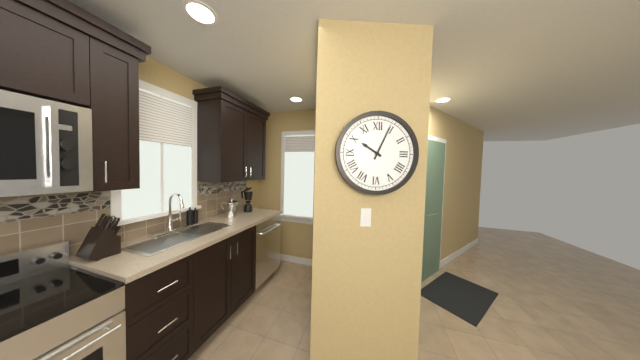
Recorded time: 10:04
